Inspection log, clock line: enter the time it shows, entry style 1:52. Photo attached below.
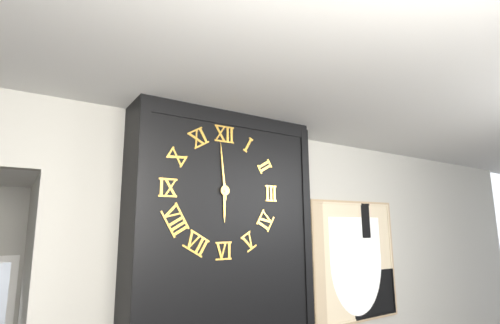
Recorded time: 5:59
